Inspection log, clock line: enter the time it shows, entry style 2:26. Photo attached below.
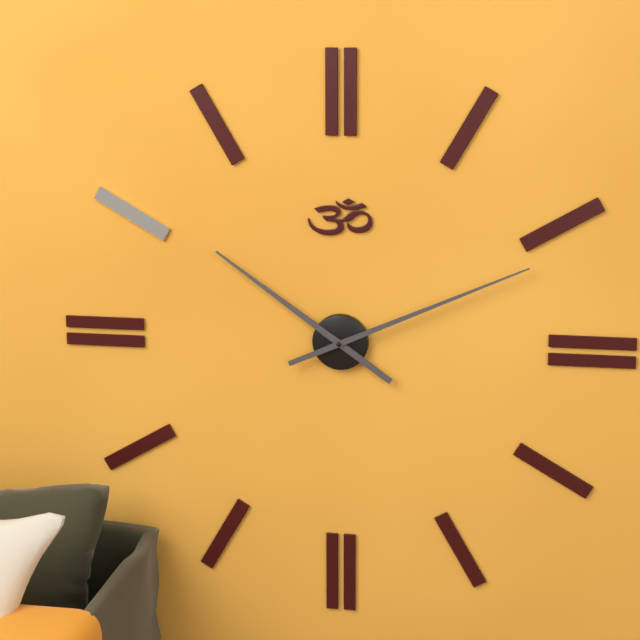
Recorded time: 10:11
